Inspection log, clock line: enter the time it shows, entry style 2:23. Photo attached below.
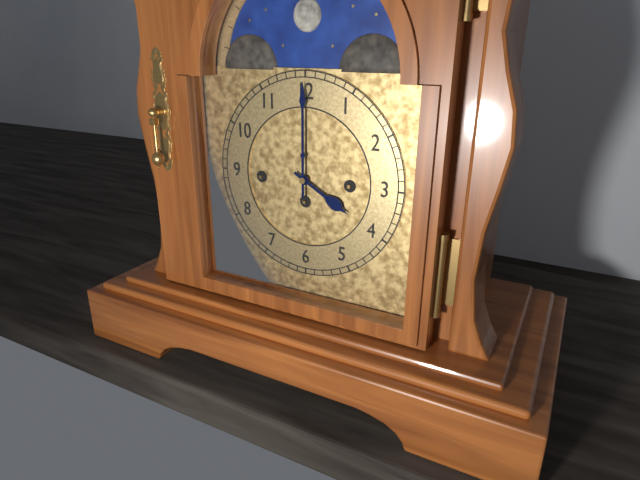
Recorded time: 4:00
